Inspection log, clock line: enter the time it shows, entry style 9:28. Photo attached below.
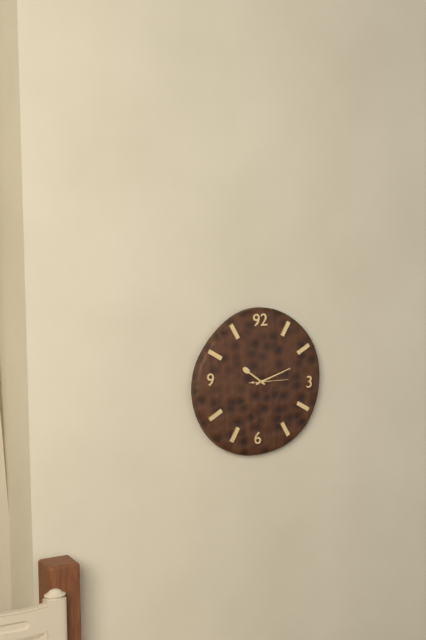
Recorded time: 10:12
